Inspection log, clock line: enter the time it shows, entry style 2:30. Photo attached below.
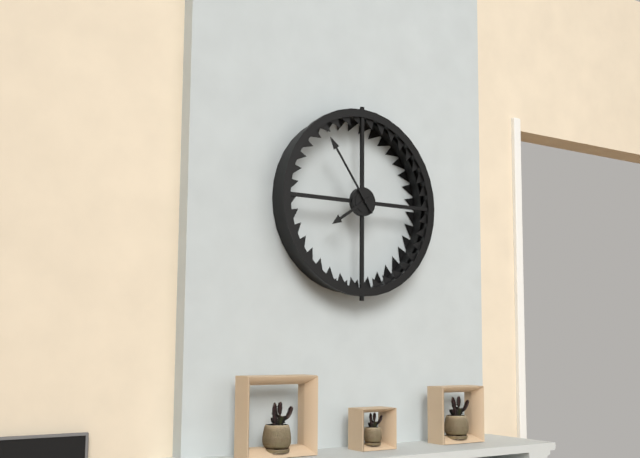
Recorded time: 7:54
